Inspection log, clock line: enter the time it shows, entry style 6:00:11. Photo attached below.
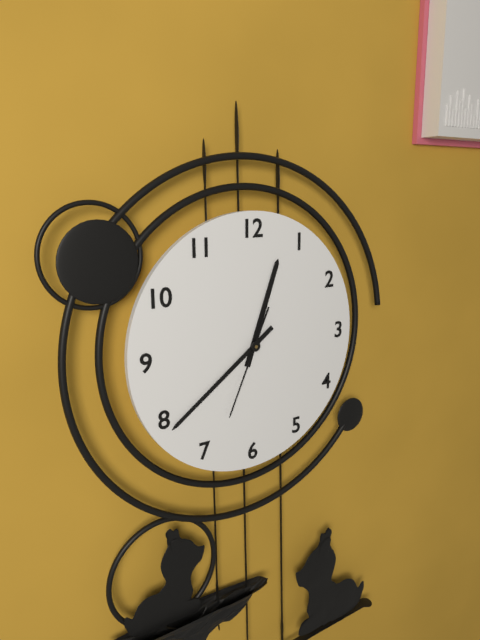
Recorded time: 12:39:34
